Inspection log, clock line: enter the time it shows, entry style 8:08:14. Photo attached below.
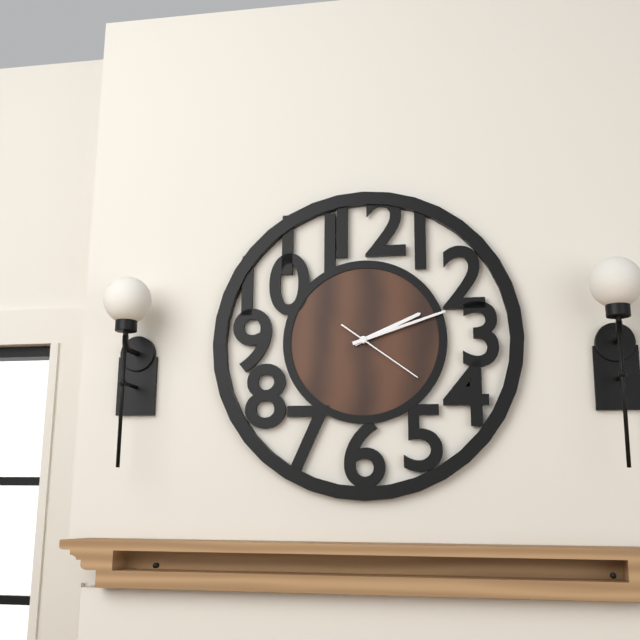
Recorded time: 2:12:21
